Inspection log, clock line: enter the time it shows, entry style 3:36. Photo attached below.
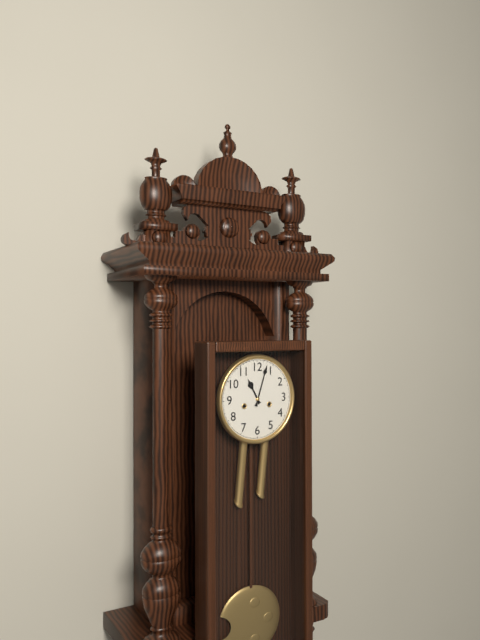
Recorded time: 11:03
